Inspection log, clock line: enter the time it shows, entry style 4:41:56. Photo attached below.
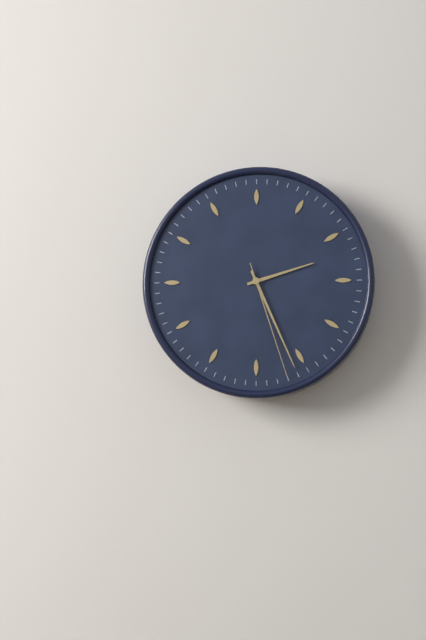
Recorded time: 2:26:27
